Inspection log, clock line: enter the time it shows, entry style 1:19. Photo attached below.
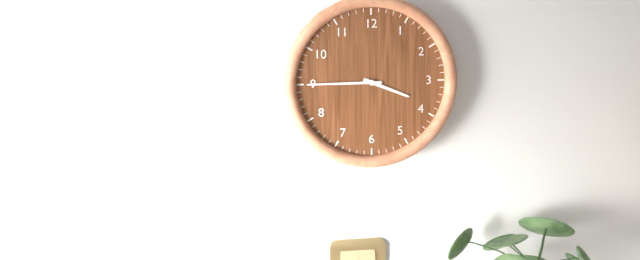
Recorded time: 3:45
